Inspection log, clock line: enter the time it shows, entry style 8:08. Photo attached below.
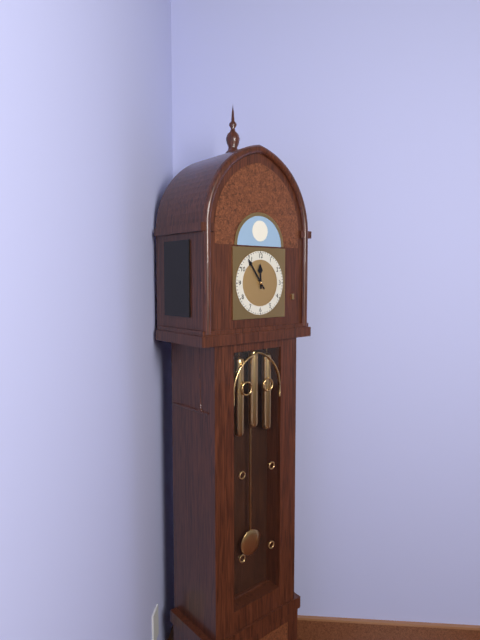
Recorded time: 11:54
